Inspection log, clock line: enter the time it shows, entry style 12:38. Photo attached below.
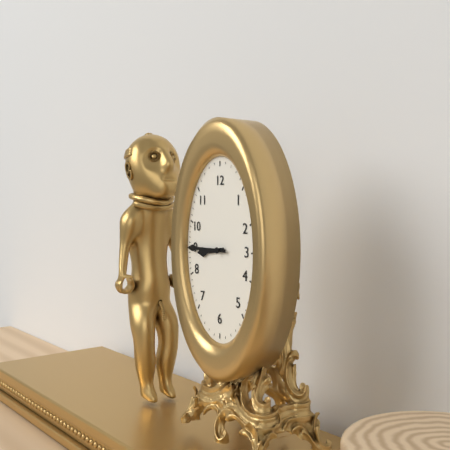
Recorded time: 8:45
